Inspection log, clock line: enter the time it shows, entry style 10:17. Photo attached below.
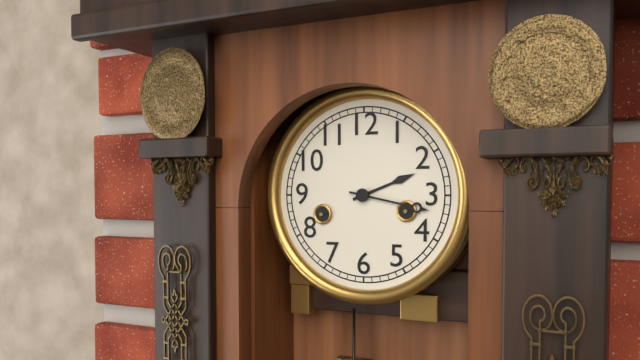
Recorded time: 2:17
